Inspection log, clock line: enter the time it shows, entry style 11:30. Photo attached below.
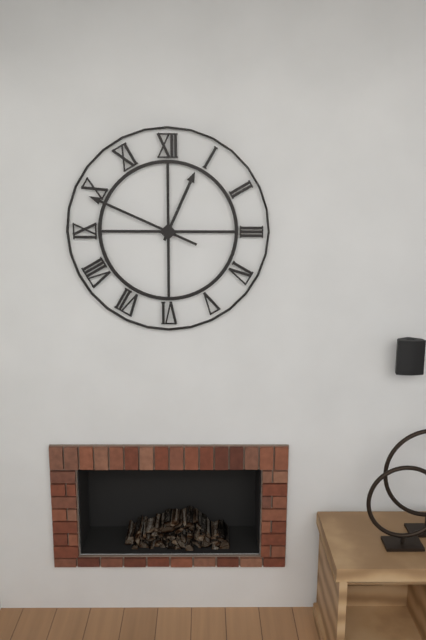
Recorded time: 12:49
